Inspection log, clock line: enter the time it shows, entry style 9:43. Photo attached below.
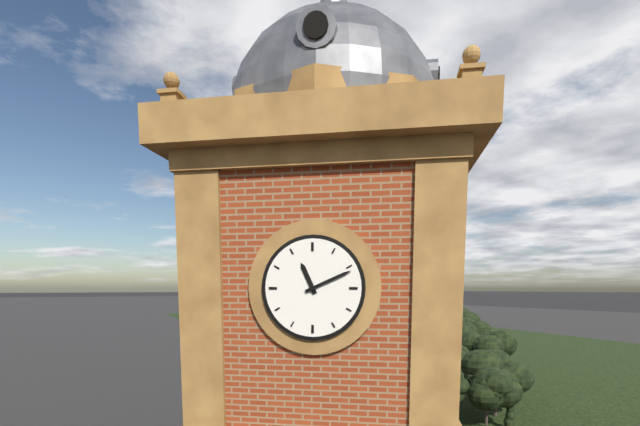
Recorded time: 11:11
